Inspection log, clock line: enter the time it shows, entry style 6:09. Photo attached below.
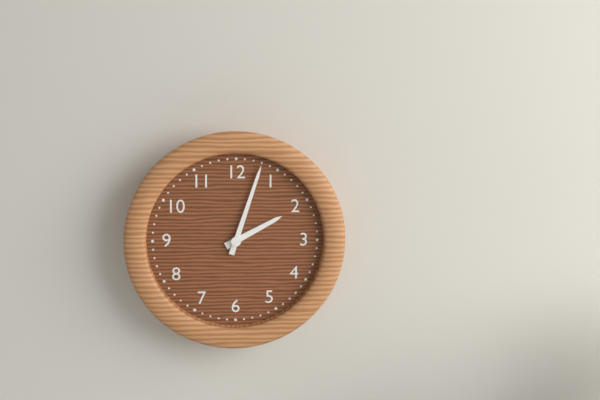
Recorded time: 2:03
